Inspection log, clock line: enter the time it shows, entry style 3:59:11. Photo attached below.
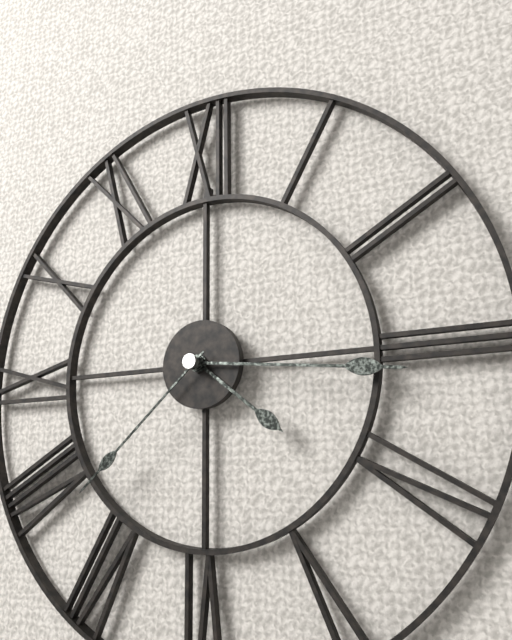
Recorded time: 4:16:38
